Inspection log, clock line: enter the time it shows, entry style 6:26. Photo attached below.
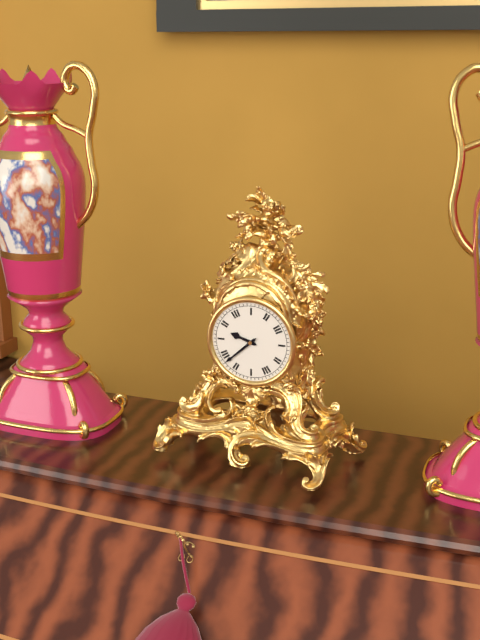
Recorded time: 9:38
